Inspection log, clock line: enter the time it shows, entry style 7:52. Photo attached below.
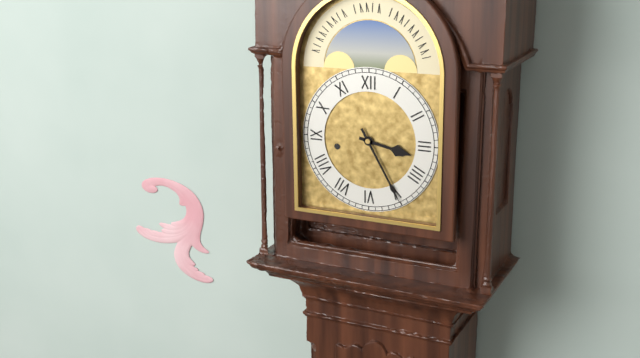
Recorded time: 3:25
